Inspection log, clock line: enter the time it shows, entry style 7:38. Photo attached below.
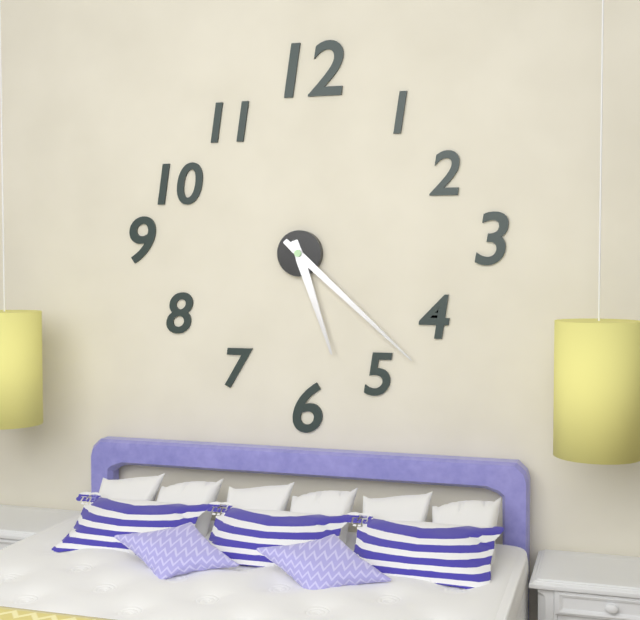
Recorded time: 5:22
